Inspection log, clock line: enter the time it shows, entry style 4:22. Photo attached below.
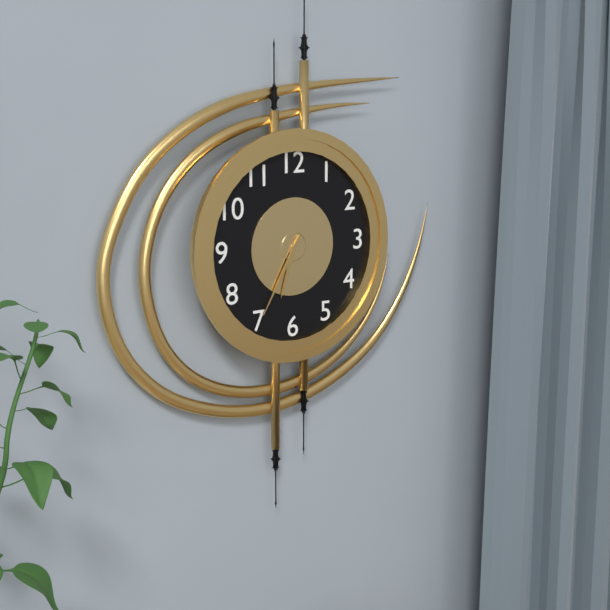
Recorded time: 6:35
